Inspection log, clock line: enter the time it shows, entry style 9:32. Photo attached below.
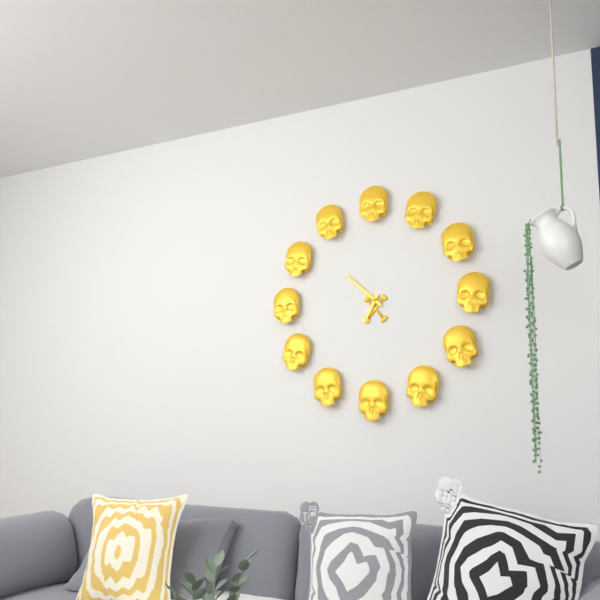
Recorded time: 6:52
